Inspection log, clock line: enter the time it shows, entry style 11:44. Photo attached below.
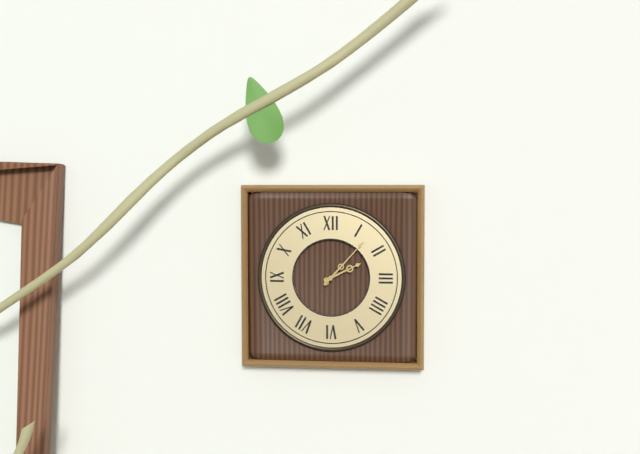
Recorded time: 2:07
